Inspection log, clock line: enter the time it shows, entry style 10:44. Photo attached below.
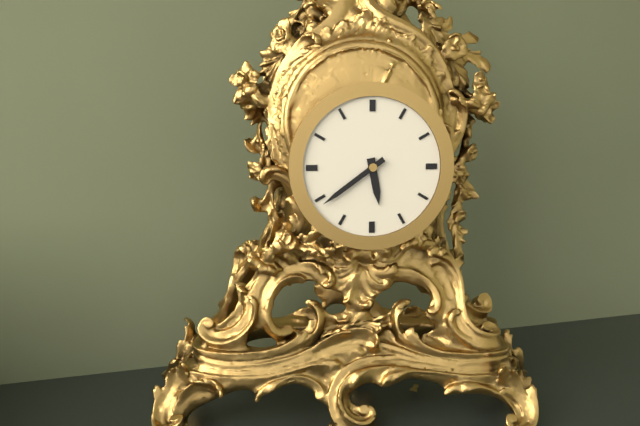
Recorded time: 5:39
